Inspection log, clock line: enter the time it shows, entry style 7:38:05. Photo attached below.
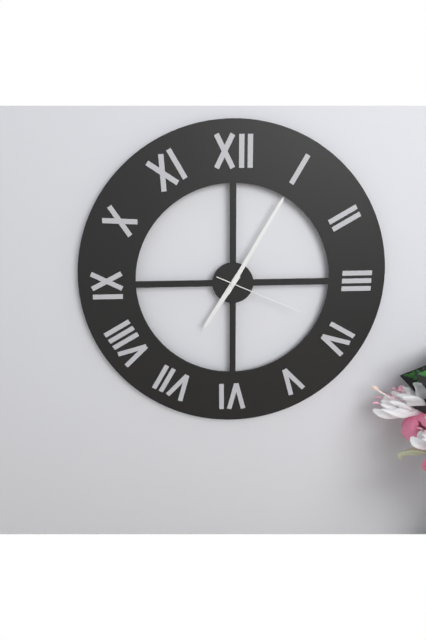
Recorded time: 7:05:19
